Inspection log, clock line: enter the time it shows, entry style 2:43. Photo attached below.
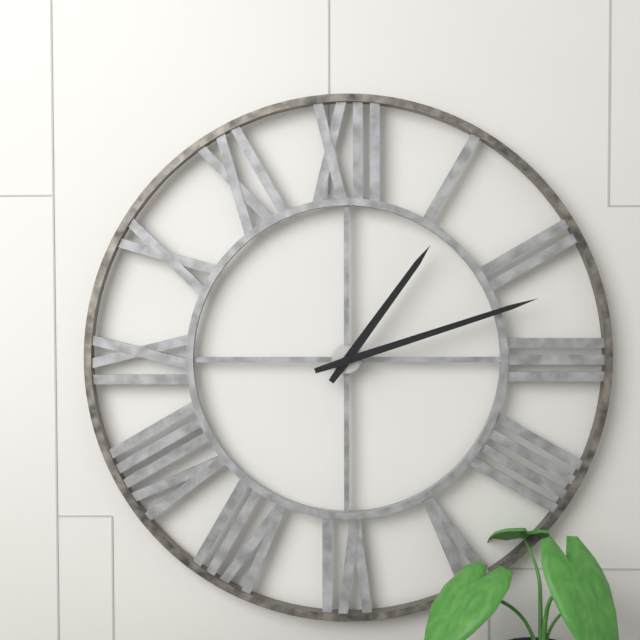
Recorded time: 1:12
